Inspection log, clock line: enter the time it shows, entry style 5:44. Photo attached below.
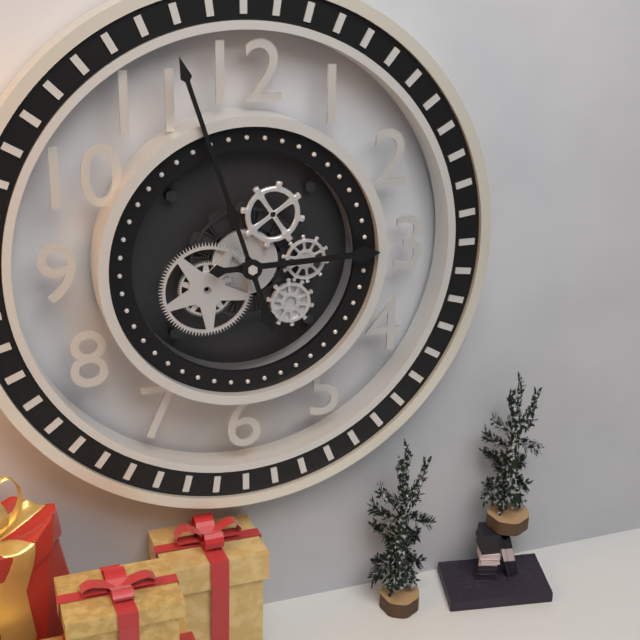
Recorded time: 2:57
